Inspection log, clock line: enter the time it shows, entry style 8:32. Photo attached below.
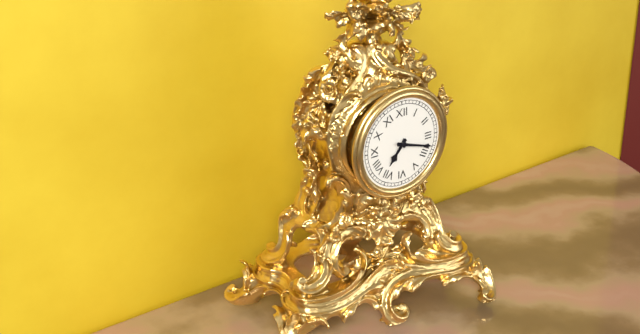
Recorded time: 7:18
